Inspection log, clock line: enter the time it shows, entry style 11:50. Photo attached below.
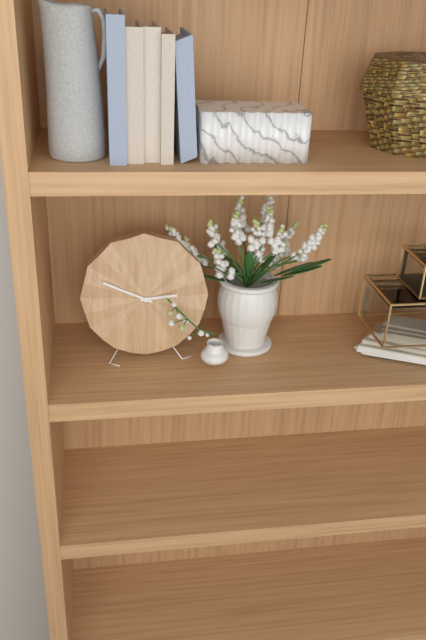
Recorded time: 2:49
